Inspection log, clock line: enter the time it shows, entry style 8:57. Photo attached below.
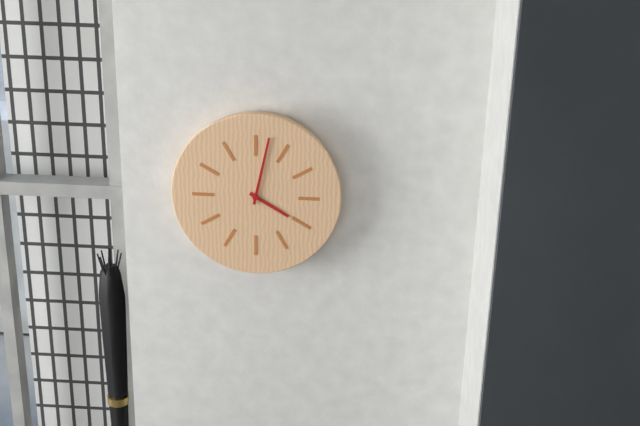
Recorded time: 4:02
